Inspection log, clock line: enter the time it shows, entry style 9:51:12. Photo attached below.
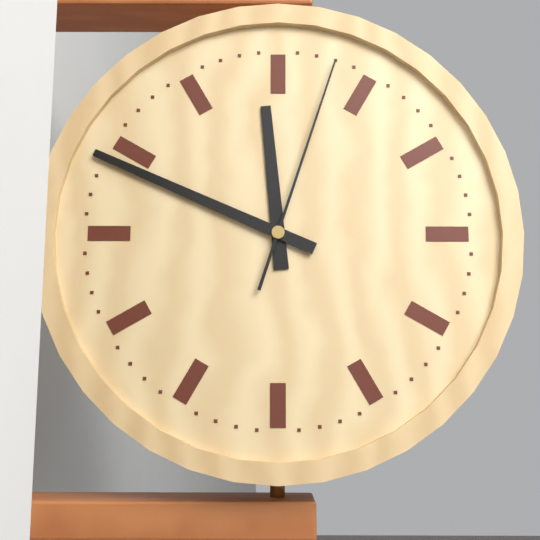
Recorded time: 11:49:03
